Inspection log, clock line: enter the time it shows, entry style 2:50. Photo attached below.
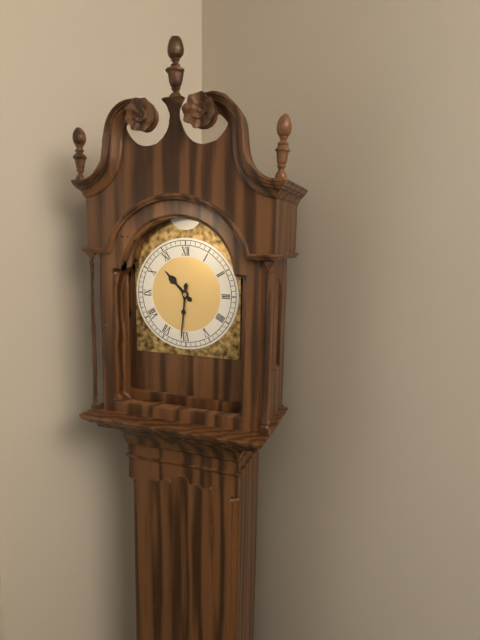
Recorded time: 10:31
